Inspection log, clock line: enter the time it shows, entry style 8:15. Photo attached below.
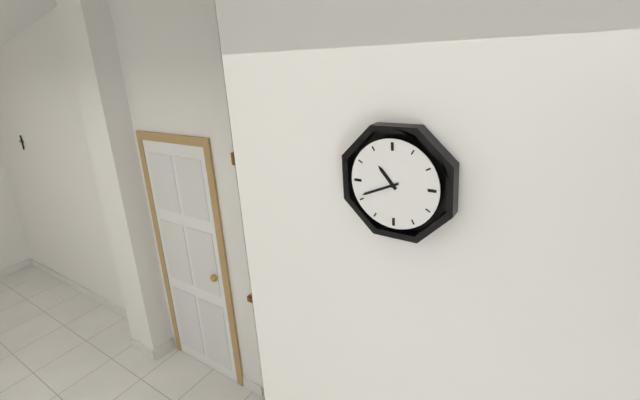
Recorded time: 10:41
